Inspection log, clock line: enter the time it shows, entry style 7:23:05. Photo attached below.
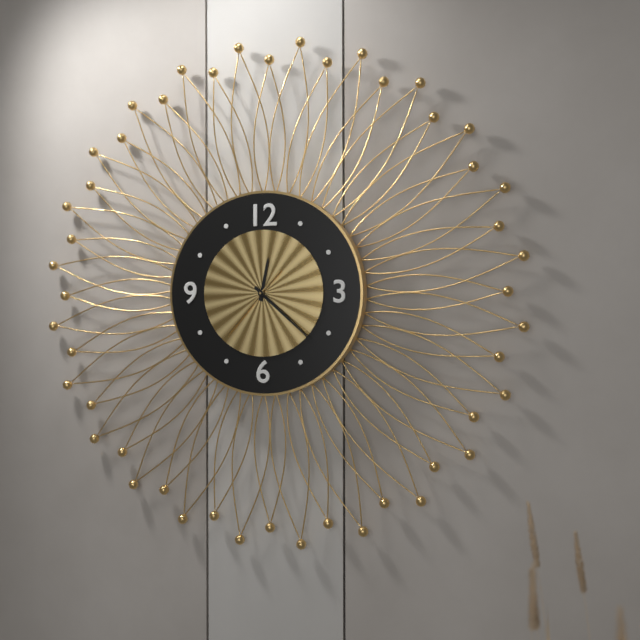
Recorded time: 12:22:37
